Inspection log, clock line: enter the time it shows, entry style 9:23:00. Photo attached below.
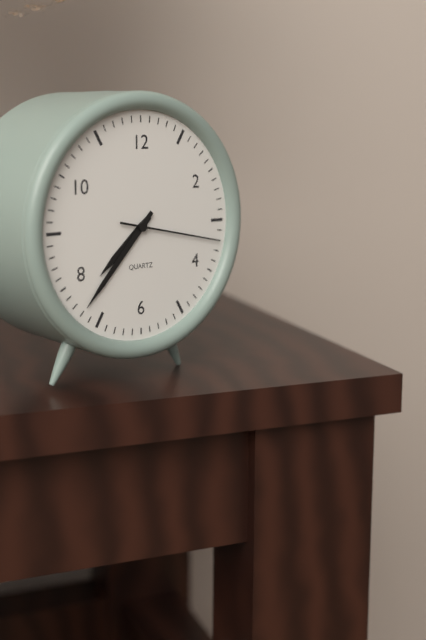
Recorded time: 7:37:17
